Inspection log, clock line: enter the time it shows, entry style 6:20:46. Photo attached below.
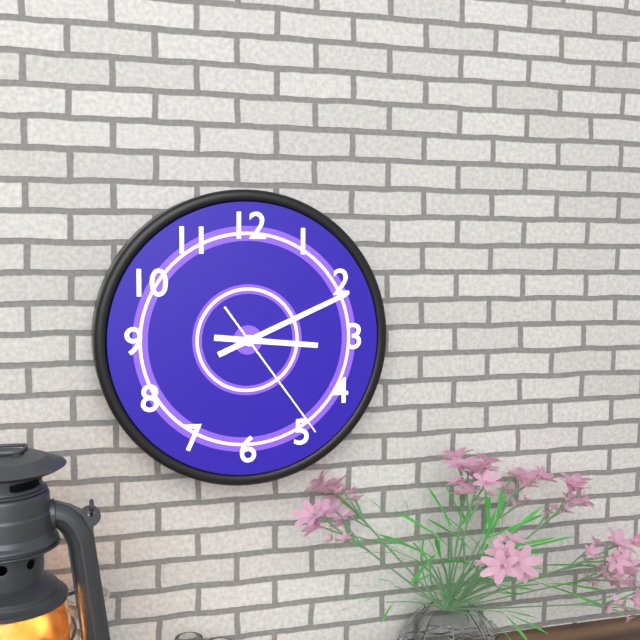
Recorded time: 3:11:24
